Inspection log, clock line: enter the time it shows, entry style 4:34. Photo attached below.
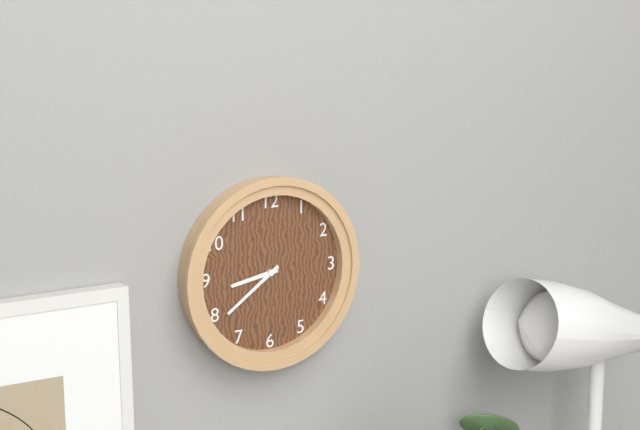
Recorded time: 8:39
